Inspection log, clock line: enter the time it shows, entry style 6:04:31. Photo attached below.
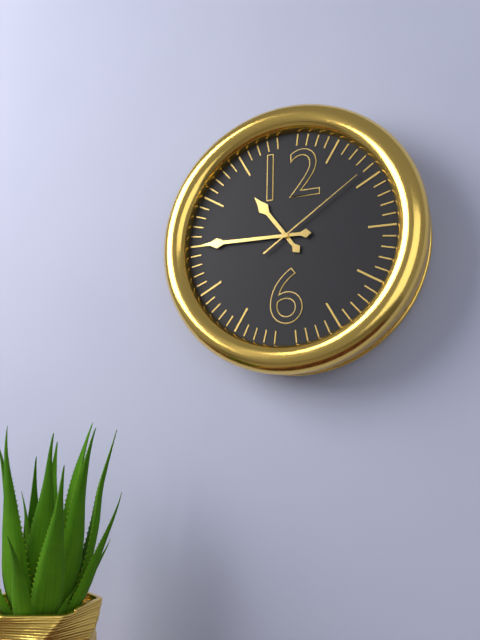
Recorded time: 10:45:09
